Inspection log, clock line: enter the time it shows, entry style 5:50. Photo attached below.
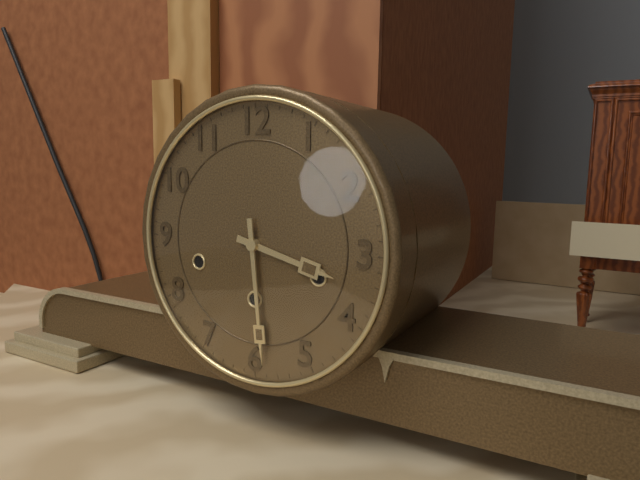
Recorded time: 3:29
